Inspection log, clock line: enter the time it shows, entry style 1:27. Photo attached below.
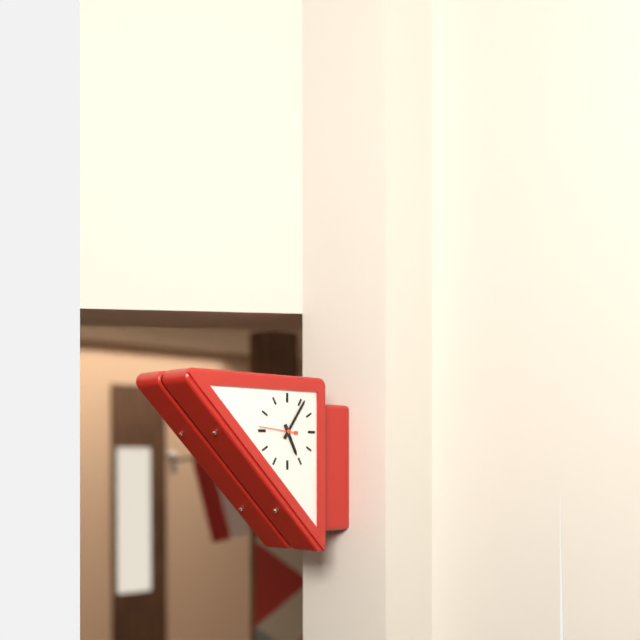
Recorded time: 5:06
